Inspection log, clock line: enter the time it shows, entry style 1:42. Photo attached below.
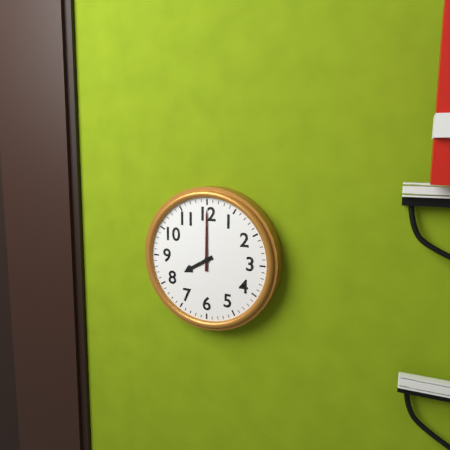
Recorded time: 8:00
